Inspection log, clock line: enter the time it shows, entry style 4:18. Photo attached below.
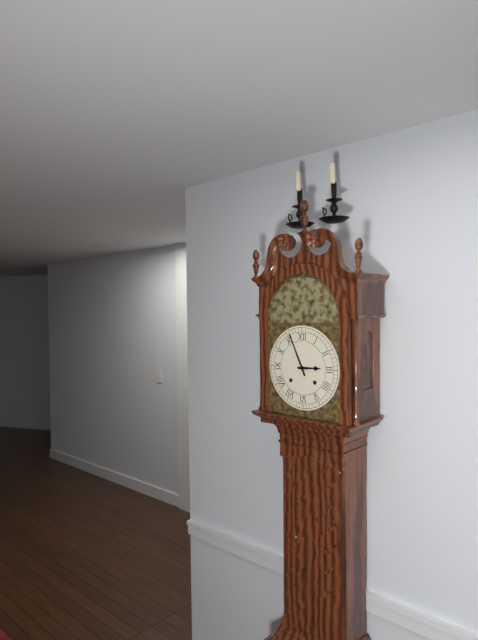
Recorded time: 2:56
